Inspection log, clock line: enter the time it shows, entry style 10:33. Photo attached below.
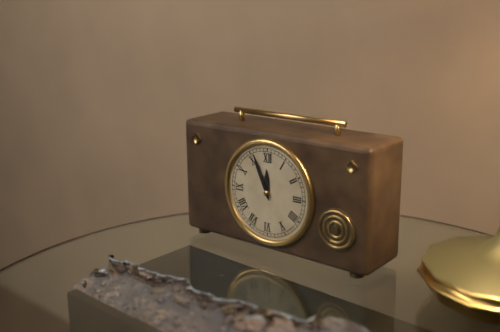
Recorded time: 11:56
